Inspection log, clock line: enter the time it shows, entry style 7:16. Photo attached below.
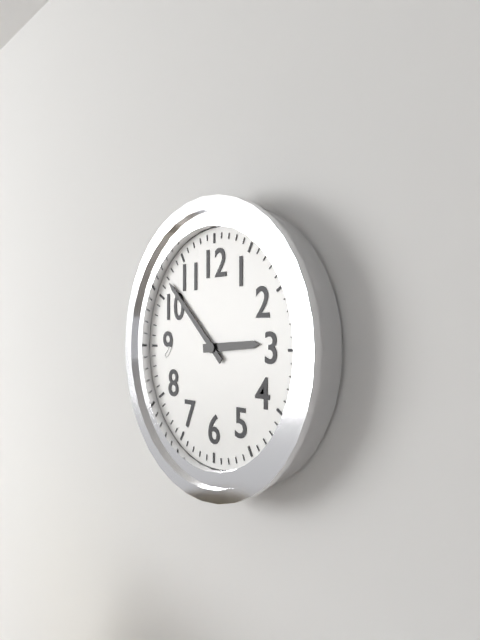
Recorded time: 2:52
